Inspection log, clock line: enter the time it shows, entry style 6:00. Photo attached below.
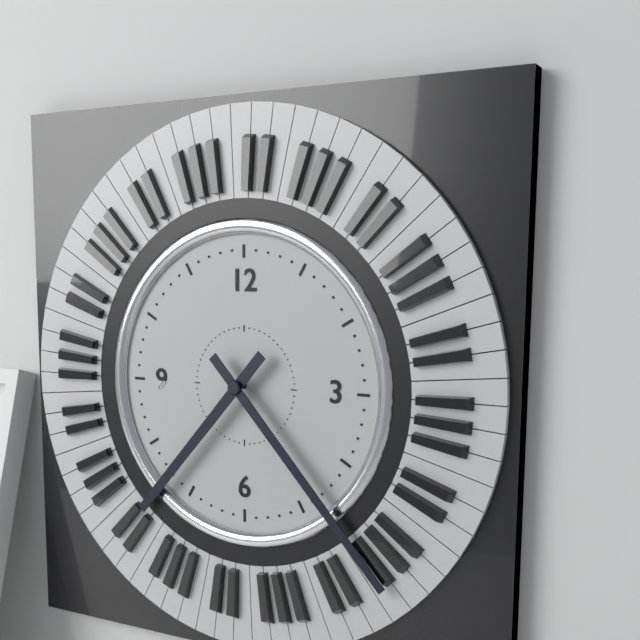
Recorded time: 7:23
